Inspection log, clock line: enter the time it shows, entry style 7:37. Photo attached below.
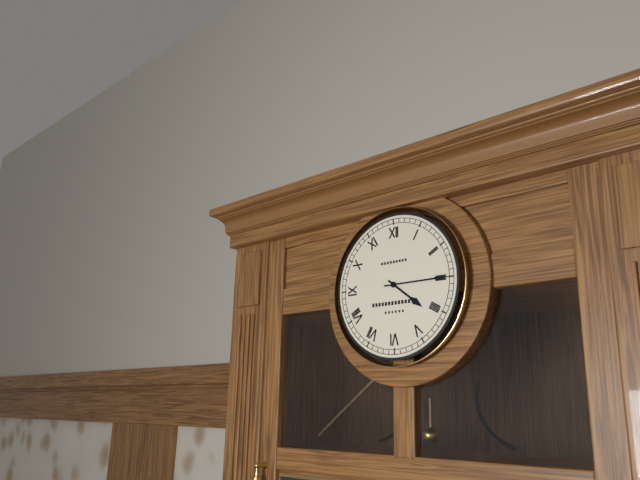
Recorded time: 4:15
